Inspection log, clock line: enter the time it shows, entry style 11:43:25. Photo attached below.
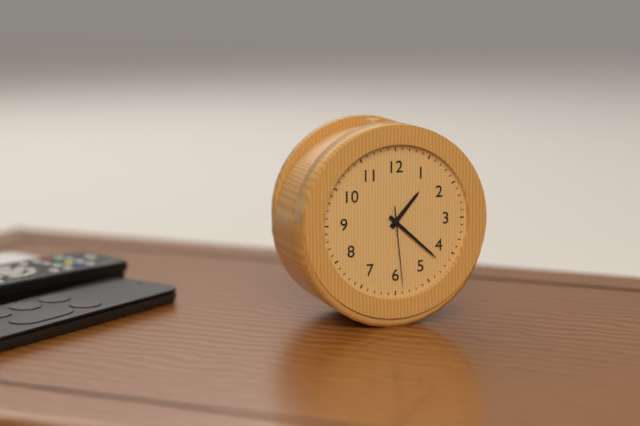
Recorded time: 1:22:29
